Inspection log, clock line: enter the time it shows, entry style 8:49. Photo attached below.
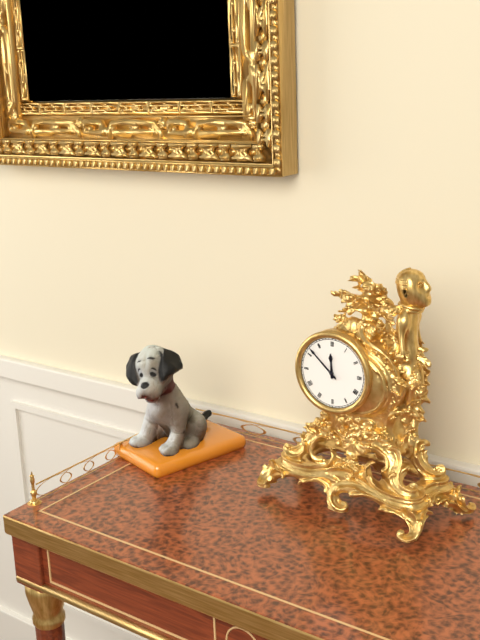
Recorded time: 11:52
